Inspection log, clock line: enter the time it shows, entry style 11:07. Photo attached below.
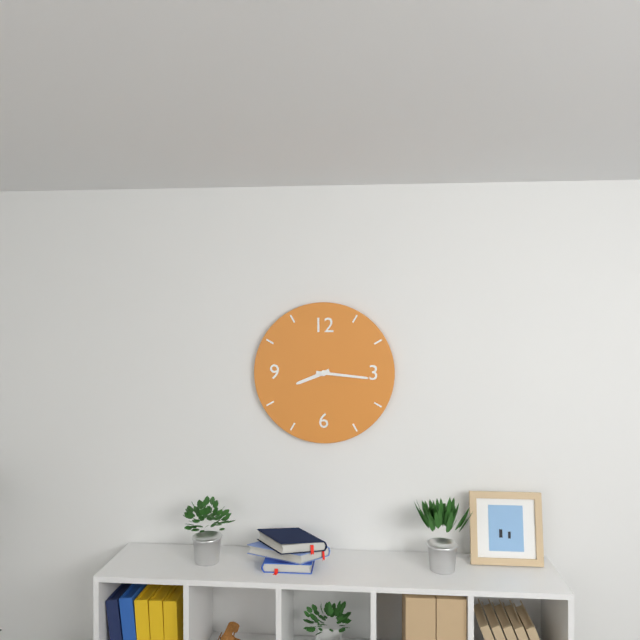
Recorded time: 8:16
